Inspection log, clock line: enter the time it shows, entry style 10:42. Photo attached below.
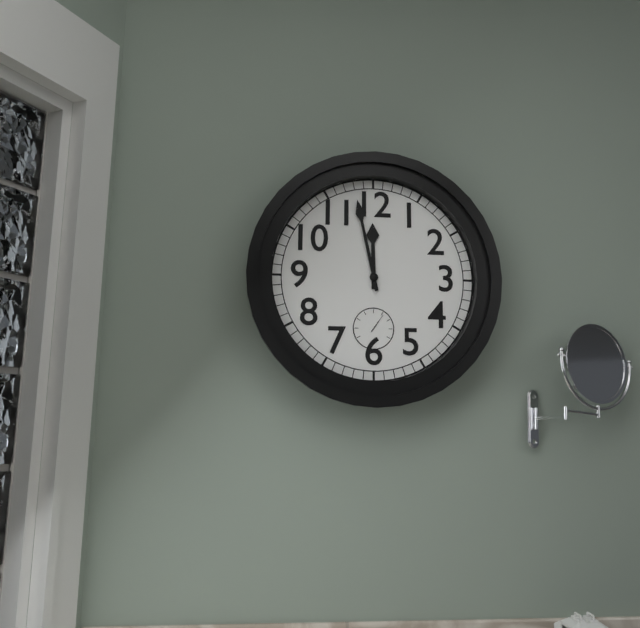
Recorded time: 11:58
